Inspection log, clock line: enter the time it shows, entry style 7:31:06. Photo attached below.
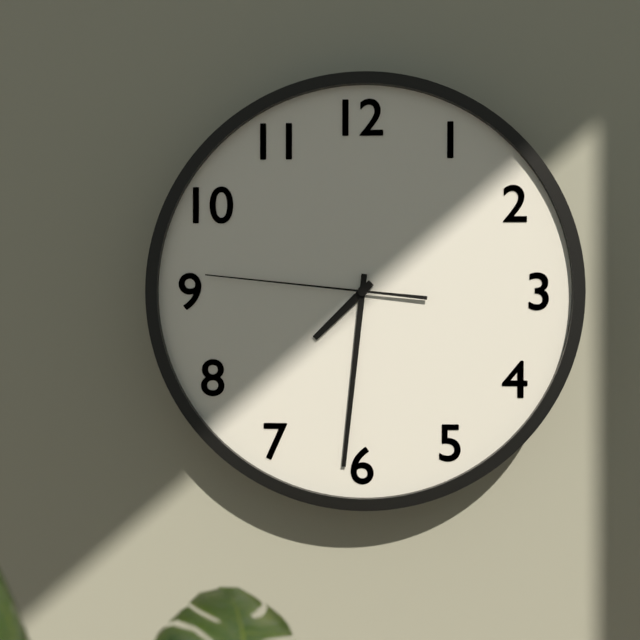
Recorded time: 7:31:46
